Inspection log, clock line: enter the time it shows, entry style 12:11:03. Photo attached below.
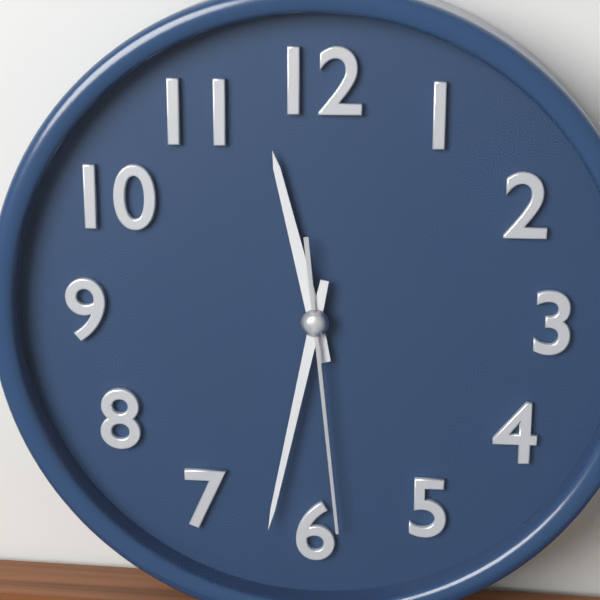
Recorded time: 11:32:29
